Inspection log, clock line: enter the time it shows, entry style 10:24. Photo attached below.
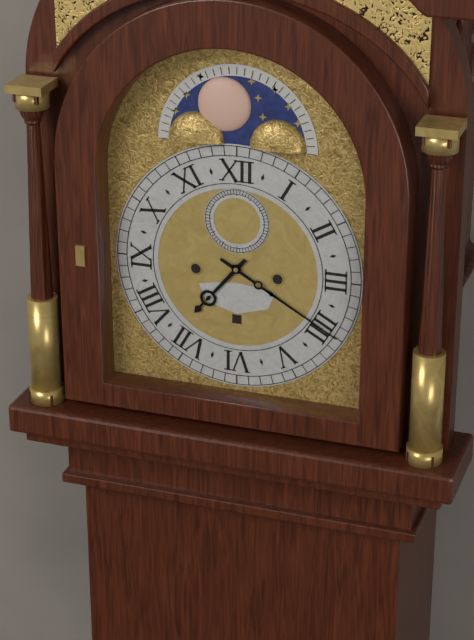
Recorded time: 7:20
